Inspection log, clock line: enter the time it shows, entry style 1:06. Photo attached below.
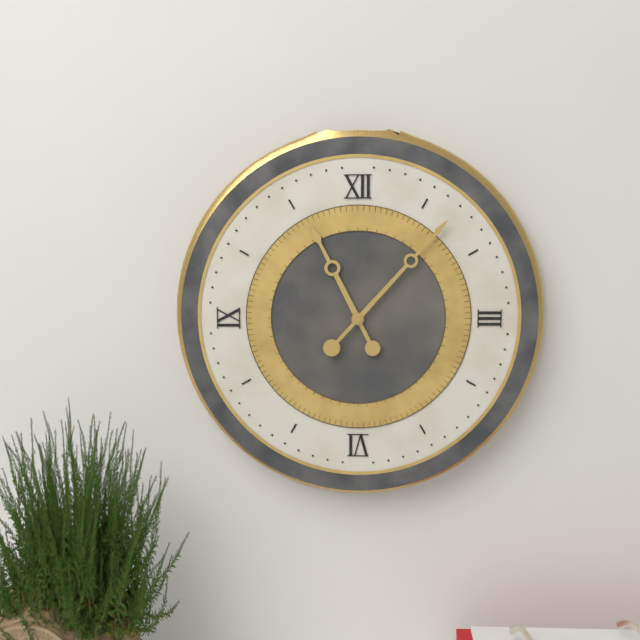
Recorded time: 11:07
